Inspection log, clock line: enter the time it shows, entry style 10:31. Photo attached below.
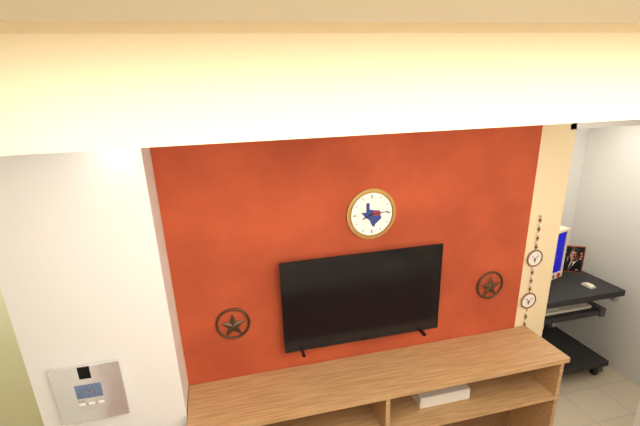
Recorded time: 8:14
